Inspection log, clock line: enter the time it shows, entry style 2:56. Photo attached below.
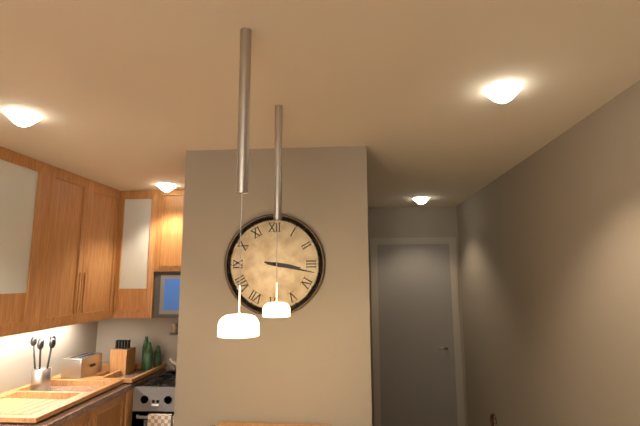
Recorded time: 3:17
